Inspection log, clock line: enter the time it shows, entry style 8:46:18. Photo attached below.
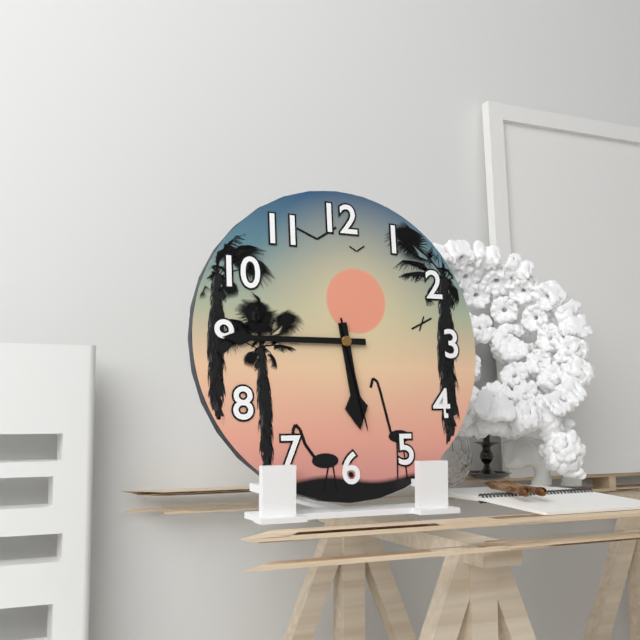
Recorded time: 5:45:28
